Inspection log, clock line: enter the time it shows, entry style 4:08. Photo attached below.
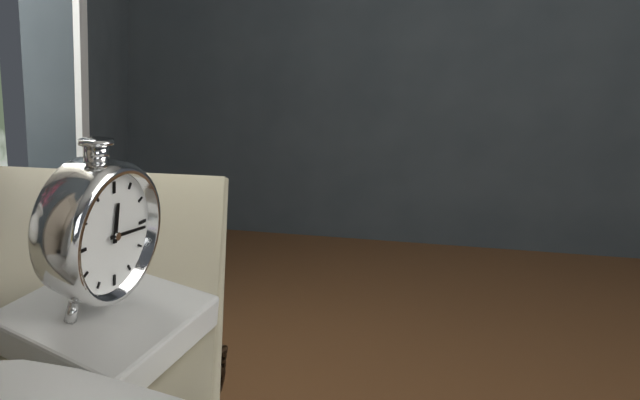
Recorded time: 12:16
